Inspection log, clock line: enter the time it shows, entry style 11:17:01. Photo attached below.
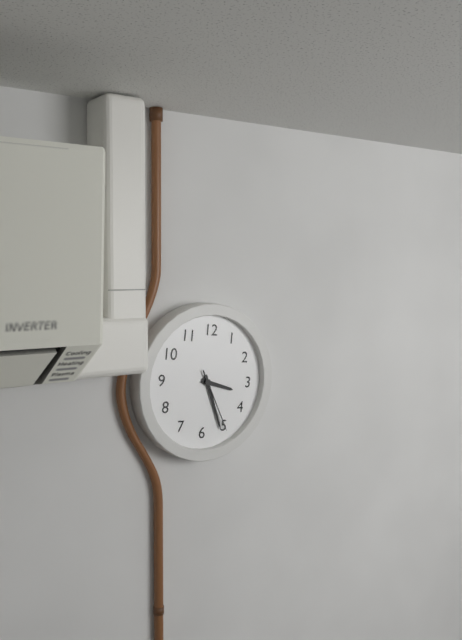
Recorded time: 3:26:25
